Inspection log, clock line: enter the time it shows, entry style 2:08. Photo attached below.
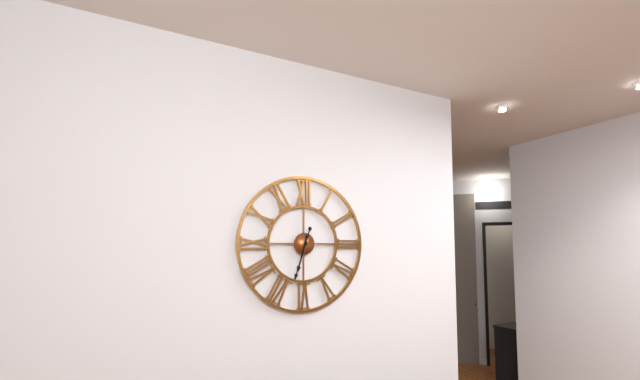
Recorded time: 6:33
